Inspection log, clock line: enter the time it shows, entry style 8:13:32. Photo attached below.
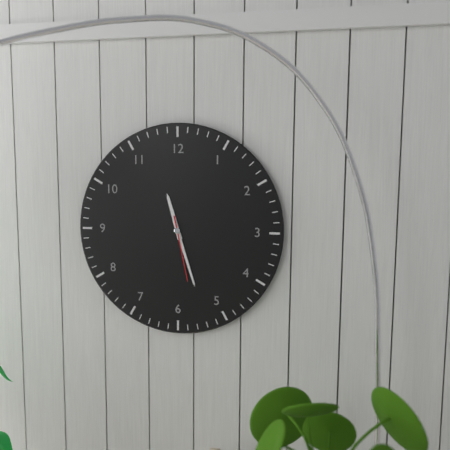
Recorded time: 11:27:28
